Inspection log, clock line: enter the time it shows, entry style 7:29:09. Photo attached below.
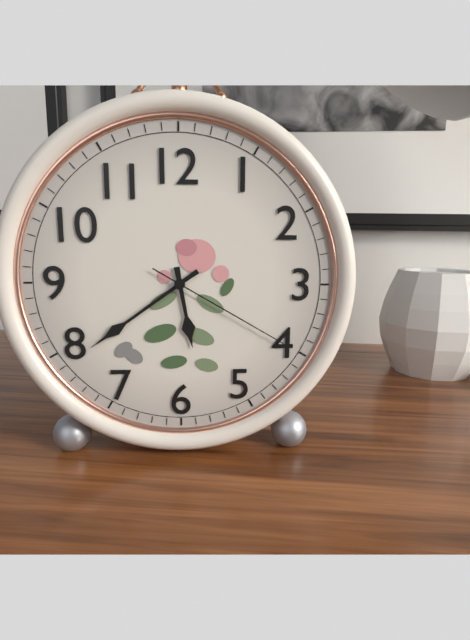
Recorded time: 5:39:20
